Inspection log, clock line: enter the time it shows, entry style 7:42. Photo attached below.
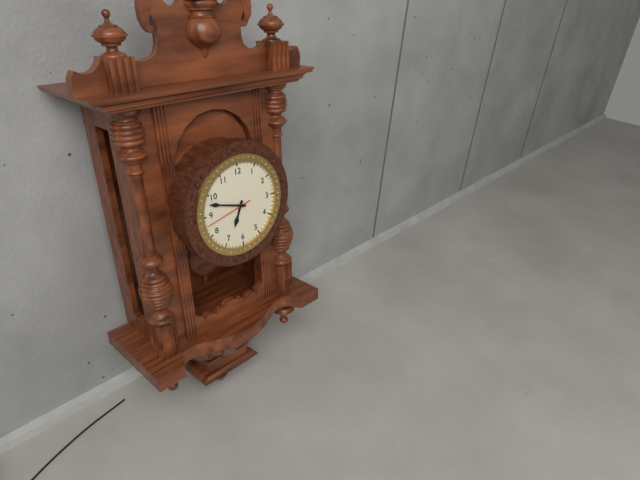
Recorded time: 6:48
